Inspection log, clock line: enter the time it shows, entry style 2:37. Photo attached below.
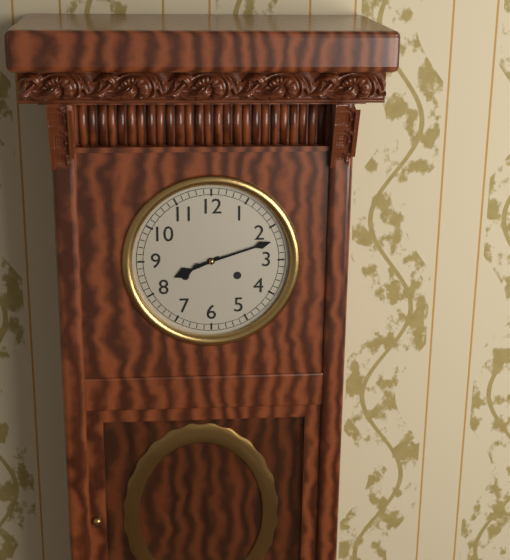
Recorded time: 8:12
